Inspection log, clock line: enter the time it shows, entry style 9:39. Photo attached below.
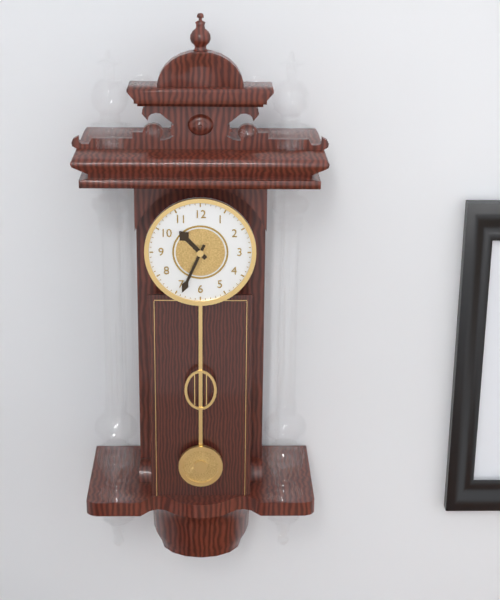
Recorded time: 10:34
